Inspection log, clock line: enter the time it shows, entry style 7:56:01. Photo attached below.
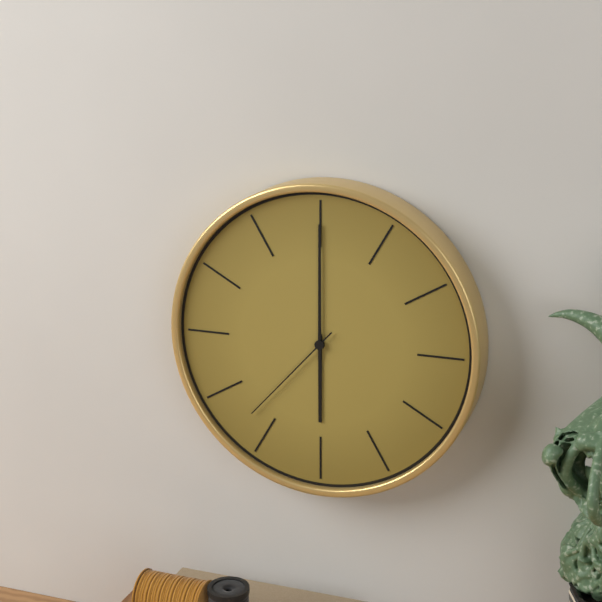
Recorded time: 6:00:37
